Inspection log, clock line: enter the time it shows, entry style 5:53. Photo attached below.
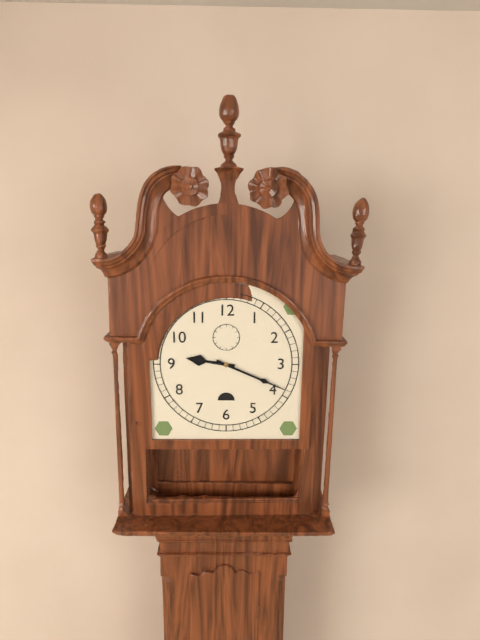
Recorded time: 9:19
